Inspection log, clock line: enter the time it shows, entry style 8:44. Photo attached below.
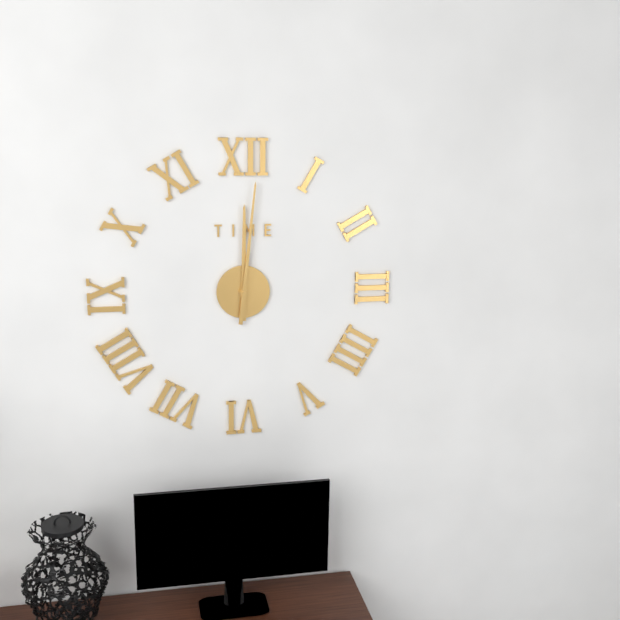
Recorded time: 12:01
